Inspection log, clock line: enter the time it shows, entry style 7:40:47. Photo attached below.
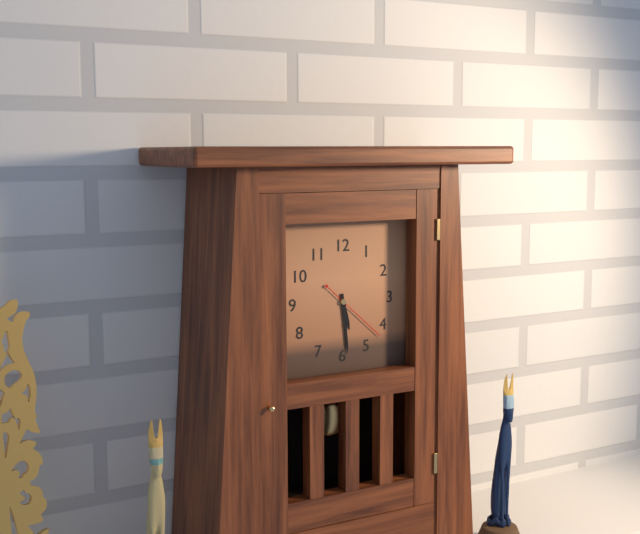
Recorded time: 5:29:22
